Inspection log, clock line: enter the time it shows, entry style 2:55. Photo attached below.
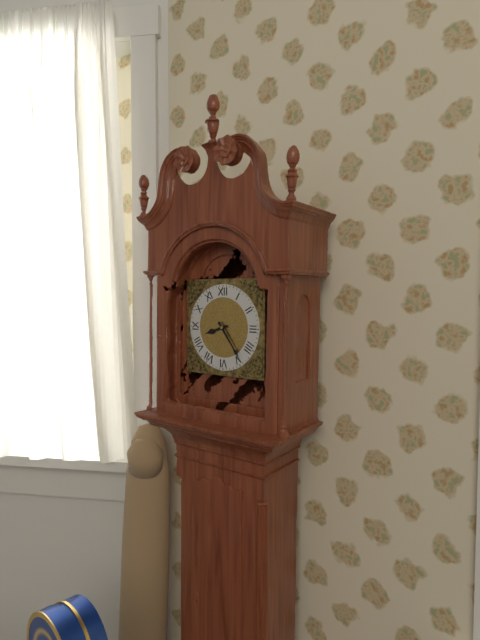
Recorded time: 8:24
